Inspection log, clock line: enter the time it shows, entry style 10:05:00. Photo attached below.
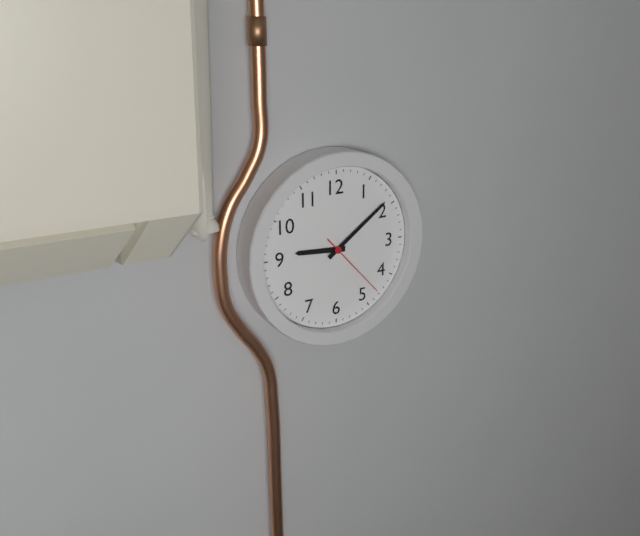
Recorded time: 9:09:23
